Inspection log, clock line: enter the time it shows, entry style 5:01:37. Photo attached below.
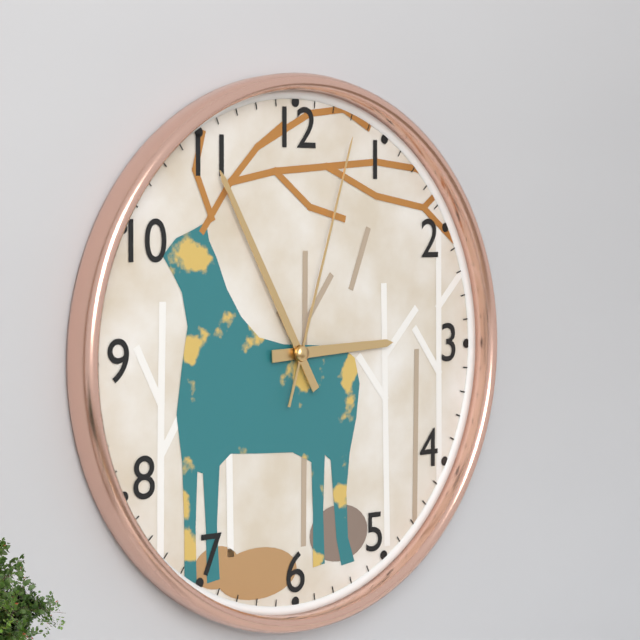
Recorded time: 2:55:03
